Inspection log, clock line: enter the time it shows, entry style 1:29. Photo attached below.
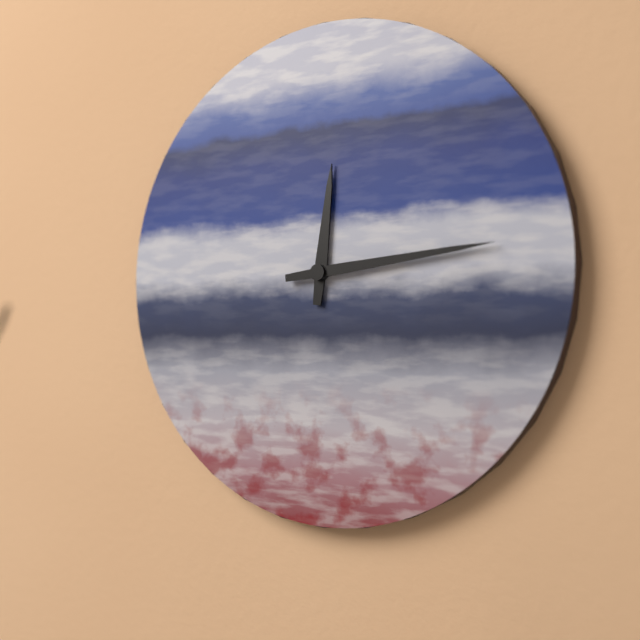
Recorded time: 12:14
